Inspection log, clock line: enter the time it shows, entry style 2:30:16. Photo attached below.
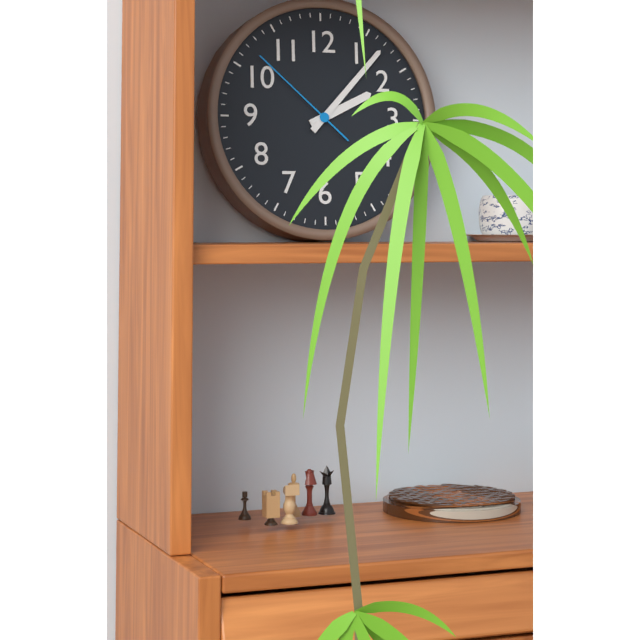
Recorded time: 2:07:52
